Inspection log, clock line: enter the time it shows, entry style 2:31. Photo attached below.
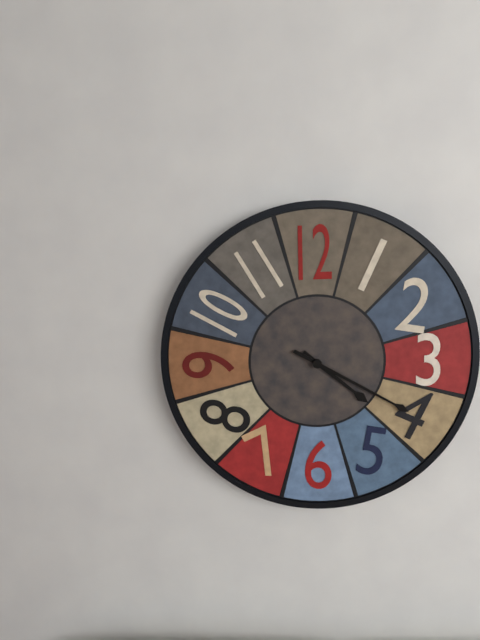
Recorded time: 4:20
